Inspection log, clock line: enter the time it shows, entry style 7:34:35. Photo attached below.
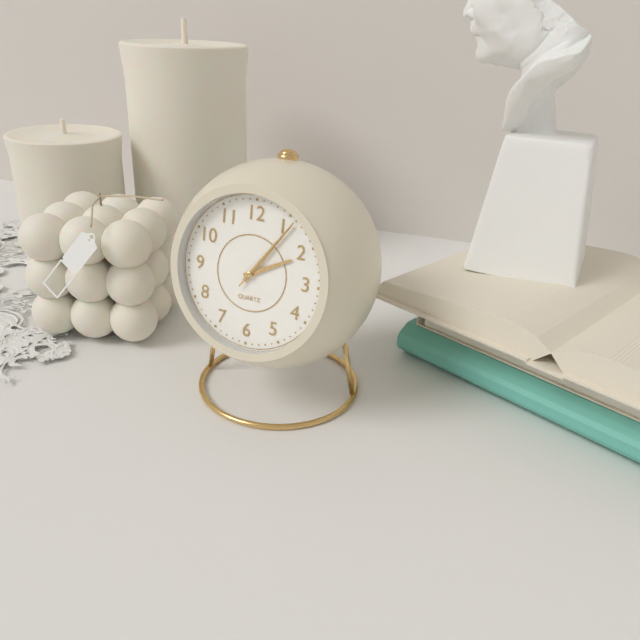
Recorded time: 2:06:06
